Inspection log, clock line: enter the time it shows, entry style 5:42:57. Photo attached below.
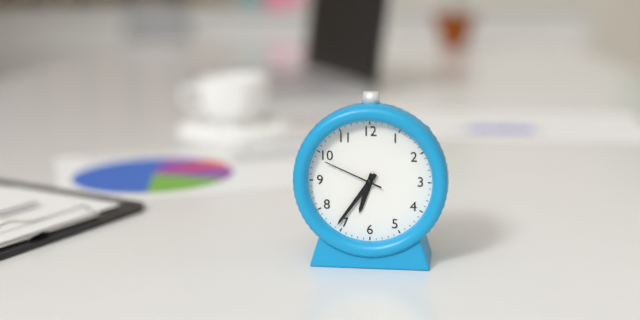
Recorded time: 6:36:49
